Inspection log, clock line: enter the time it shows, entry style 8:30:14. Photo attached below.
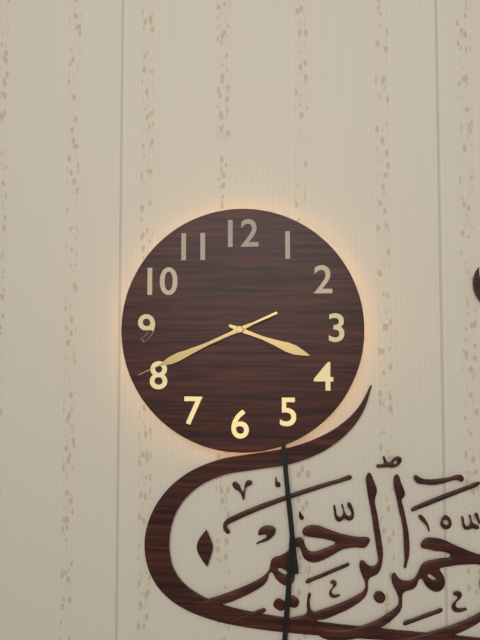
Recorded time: 3:41:41
